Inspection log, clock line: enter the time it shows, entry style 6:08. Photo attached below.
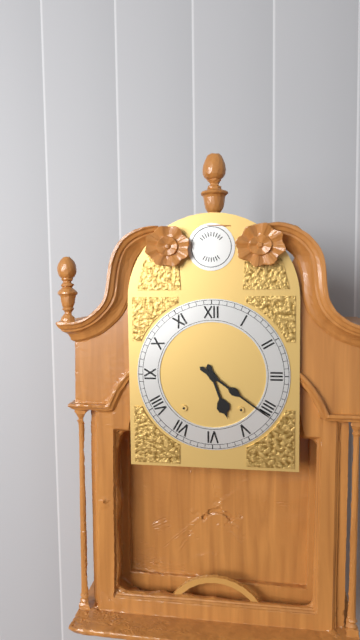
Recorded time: 5:21
